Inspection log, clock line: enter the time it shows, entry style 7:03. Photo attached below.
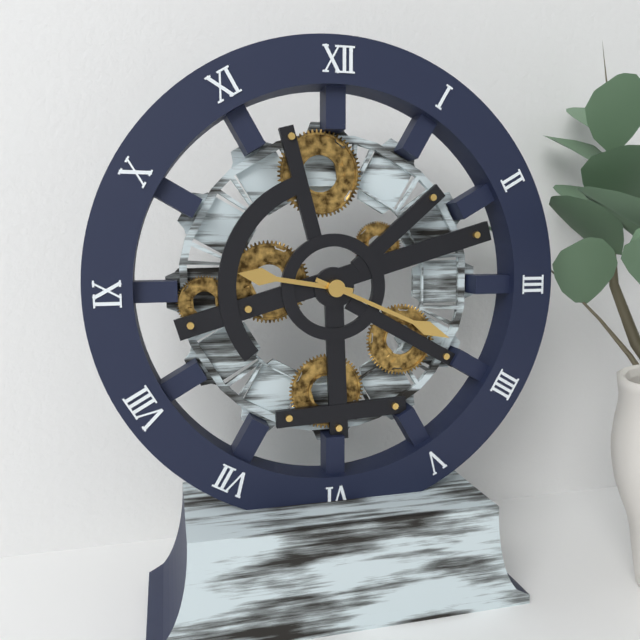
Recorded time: 9:19
